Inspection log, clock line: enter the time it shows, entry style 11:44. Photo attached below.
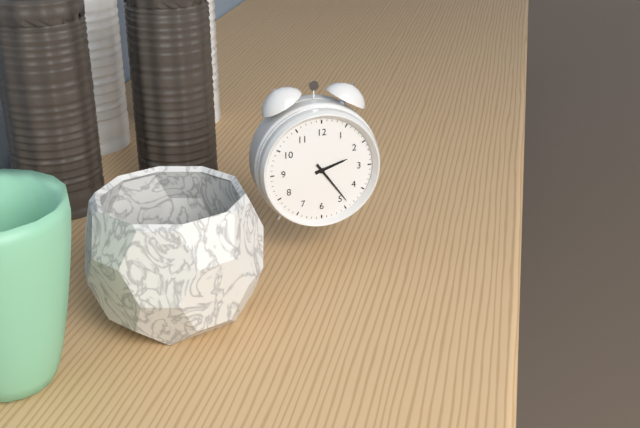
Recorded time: 2:24
